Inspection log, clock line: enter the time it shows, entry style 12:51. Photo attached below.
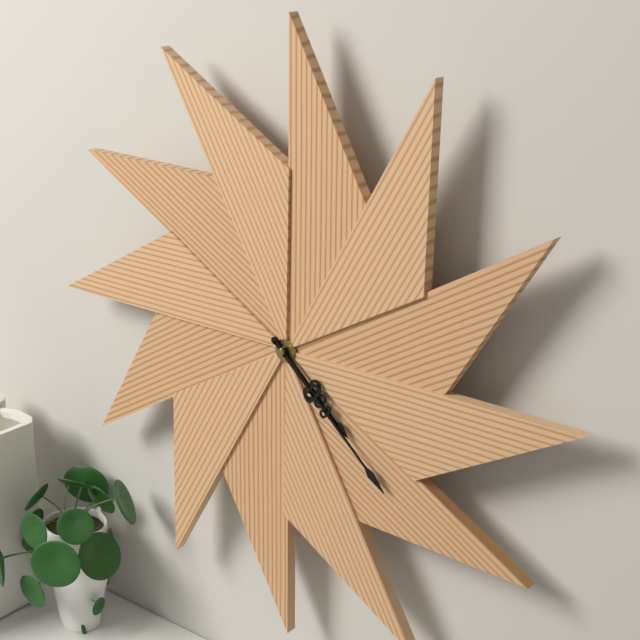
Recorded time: 4:22
